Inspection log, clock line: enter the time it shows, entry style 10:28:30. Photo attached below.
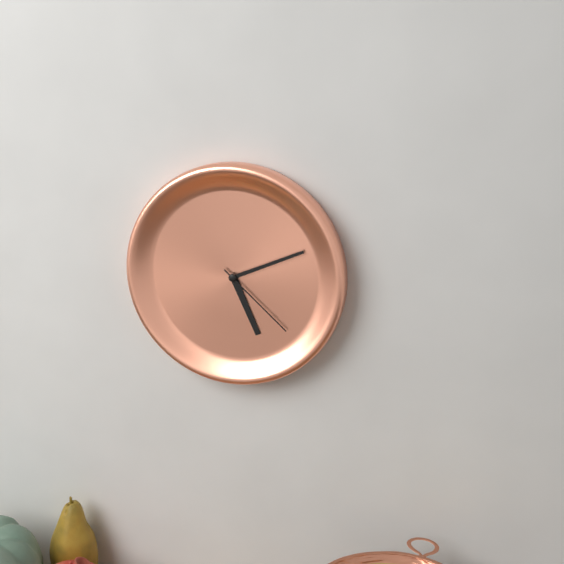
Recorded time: 5:11:22
